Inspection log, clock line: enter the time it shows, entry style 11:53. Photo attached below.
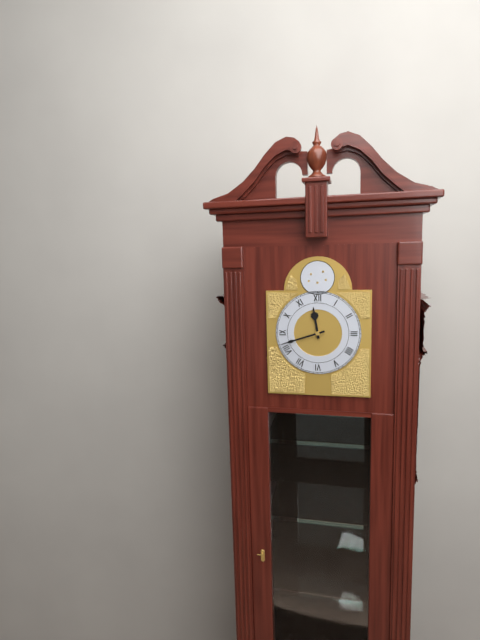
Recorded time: 11:42
